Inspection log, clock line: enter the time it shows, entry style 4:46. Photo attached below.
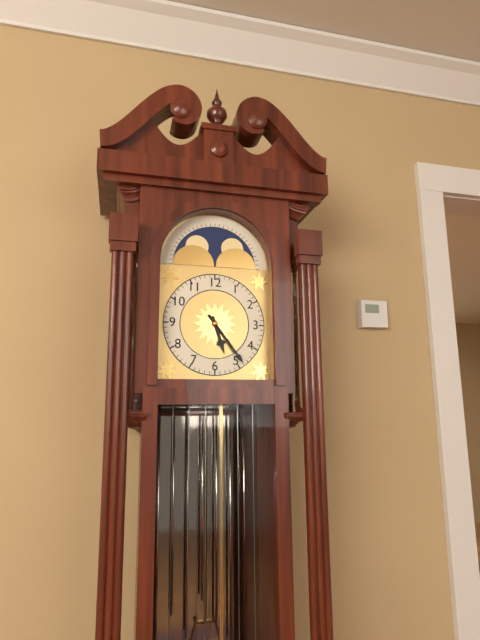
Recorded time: 5:24
